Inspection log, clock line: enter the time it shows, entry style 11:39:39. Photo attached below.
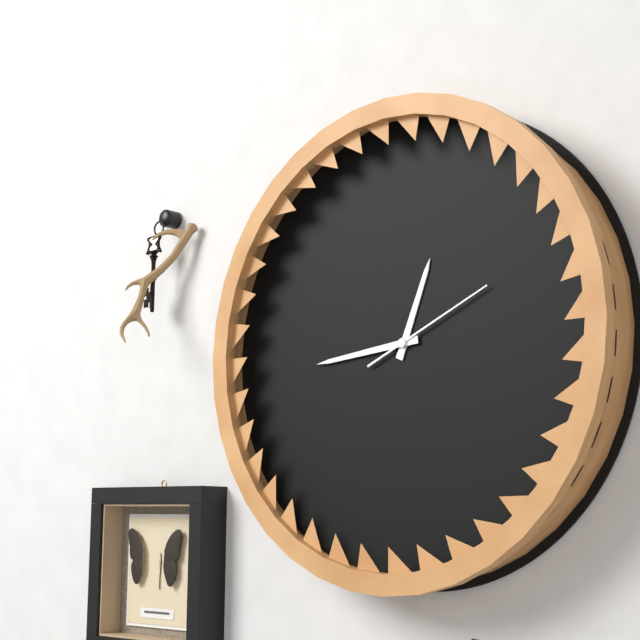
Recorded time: 12:44:11
